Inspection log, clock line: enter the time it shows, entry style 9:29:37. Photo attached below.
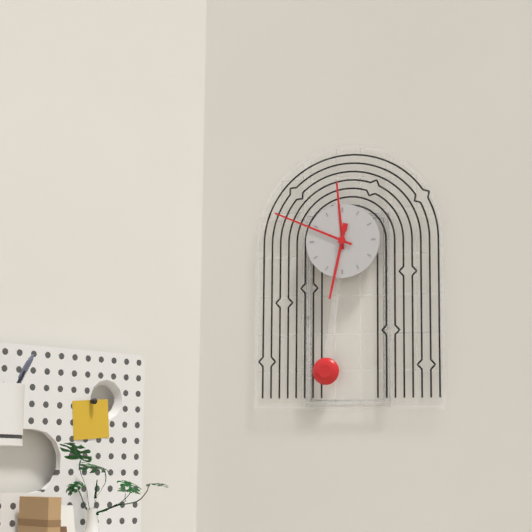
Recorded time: 11:49:32
